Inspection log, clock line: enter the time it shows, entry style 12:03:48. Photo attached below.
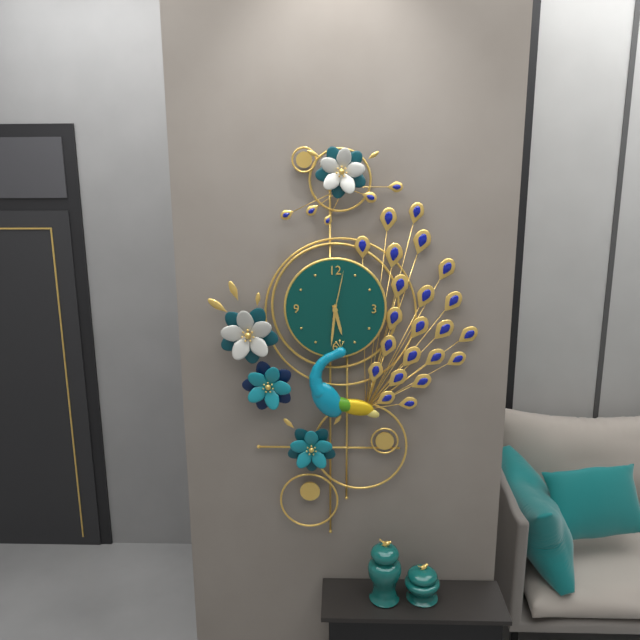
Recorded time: 5:31:02
